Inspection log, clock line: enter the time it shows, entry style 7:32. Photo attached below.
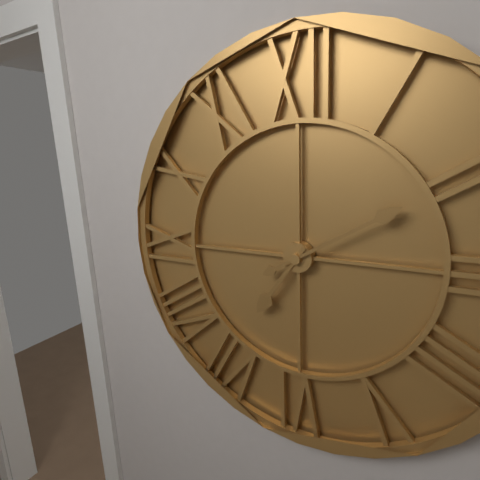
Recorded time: 7:10
